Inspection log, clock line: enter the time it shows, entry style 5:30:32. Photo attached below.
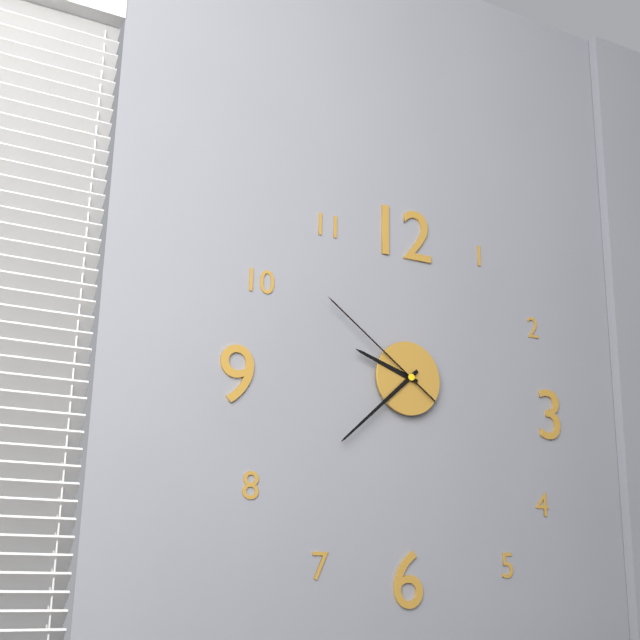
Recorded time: 9:38:51
